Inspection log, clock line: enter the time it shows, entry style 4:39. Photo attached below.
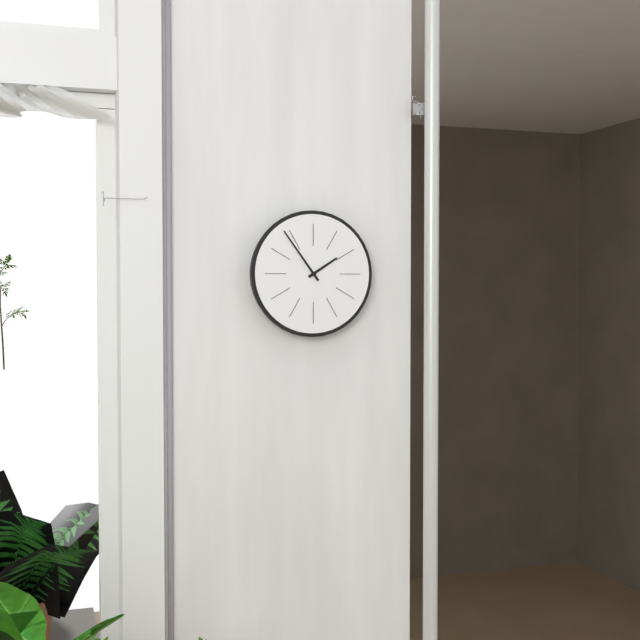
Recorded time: 1:54
